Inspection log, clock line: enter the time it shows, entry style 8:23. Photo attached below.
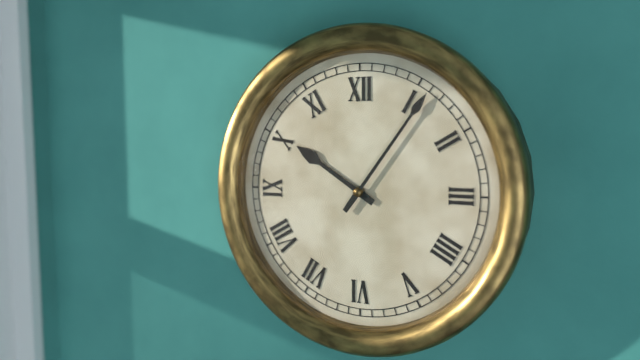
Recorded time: 10:06
